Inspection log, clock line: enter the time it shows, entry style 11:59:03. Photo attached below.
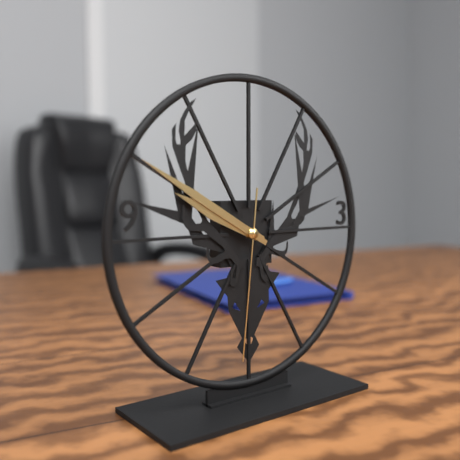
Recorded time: 9:50:31
